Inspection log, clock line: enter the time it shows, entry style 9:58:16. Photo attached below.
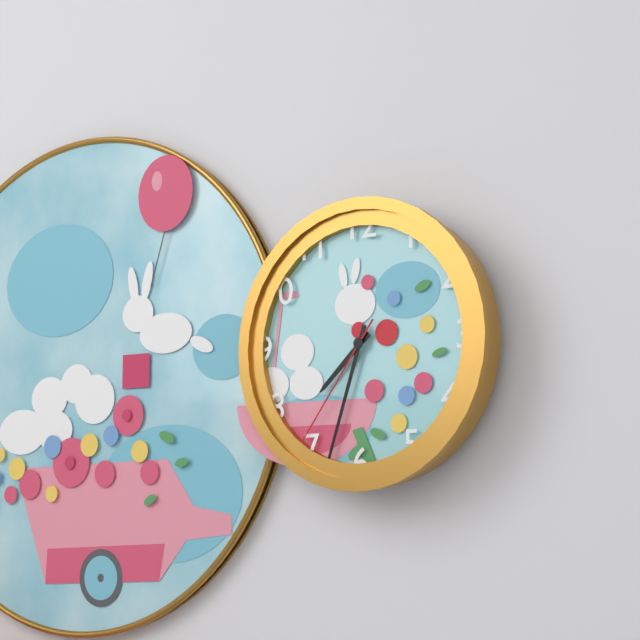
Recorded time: 7:33:36
